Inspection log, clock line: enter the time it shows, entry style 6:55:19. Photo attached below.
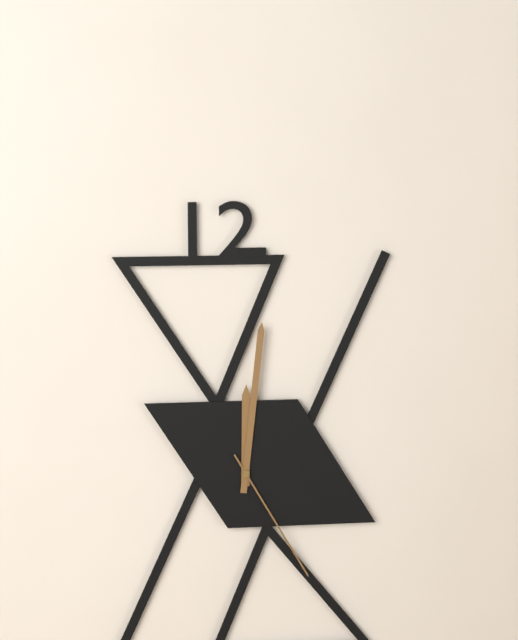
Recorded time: 12:01:25
